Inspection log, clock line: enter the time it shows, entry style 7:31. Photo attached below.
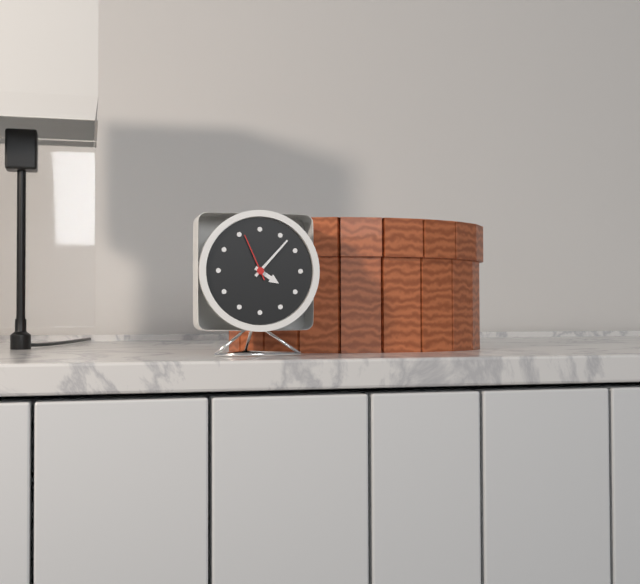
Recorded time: 4:07
